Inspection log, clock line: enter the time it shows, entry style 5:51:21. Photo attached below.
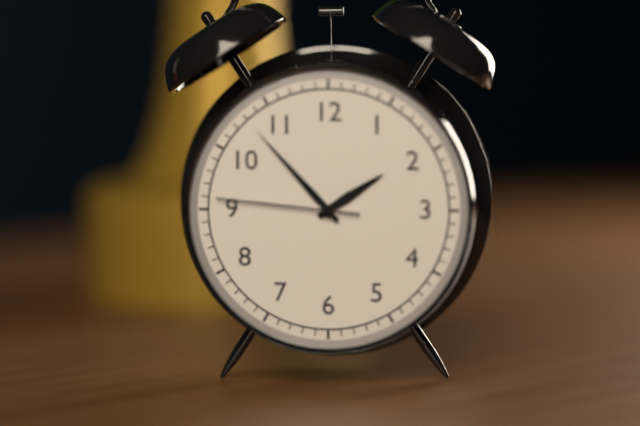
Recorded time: 1:53:46
